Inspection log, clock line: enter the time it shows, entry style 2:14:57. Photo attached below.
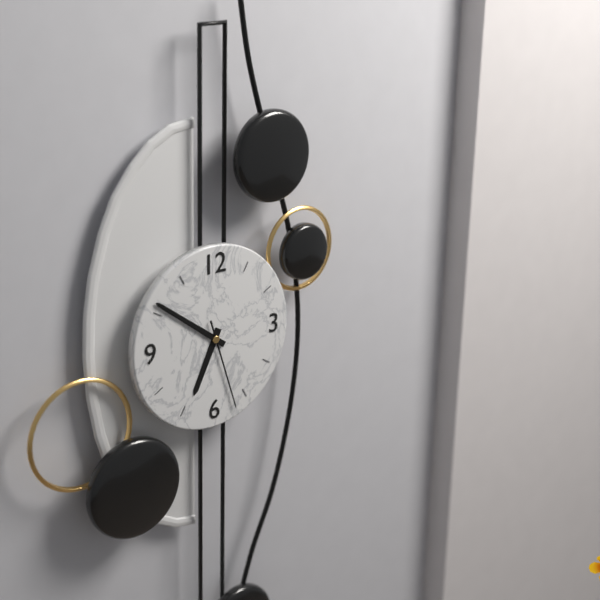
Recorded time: 6:51:27
